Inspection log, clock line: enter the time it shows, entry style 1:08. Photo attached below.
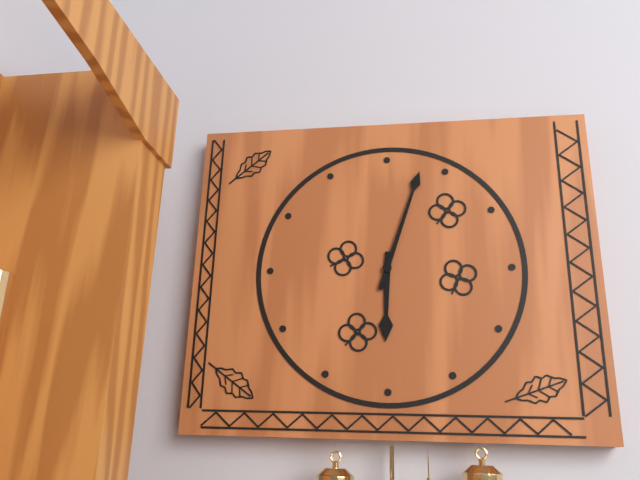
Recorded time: 6:03
